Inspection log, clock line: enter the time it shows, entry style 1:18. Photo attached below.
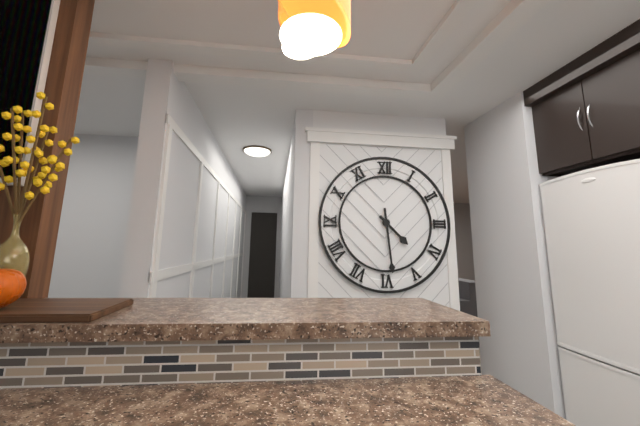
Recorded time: 4:29
